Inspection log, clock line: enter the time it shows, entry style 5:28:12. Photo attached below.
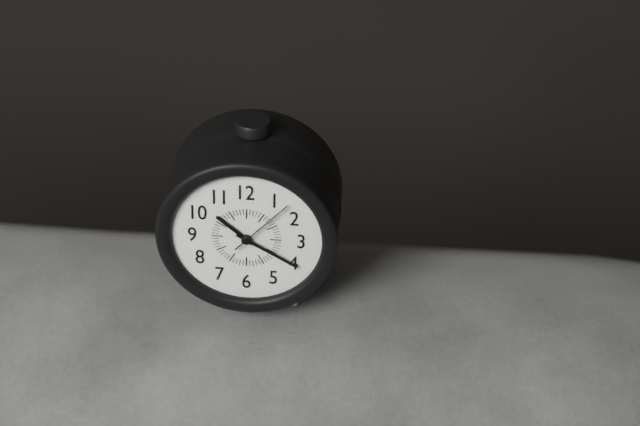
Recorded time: 10:20:07
